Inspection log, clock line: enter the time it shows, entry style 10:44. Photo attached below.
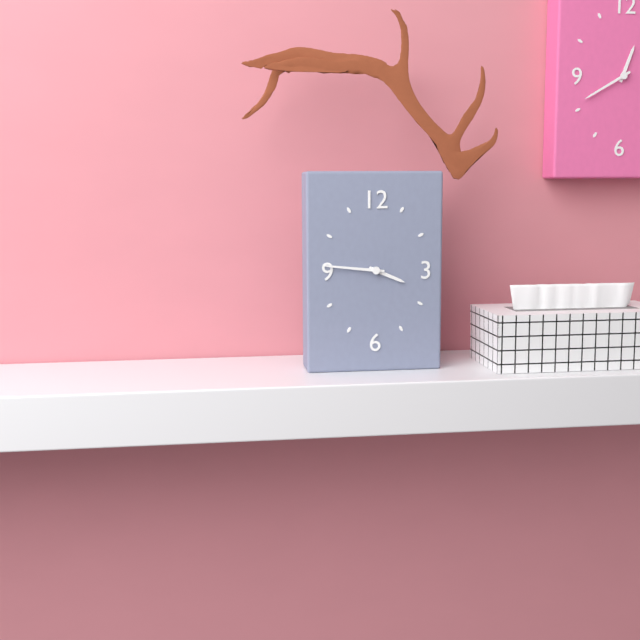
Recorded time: 3:46
